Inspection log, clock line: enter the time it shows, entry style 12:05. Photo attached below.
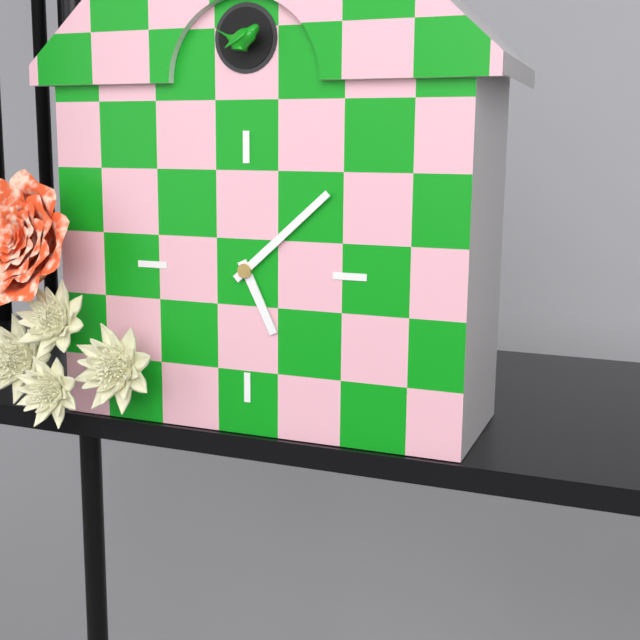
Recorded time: 5:08
